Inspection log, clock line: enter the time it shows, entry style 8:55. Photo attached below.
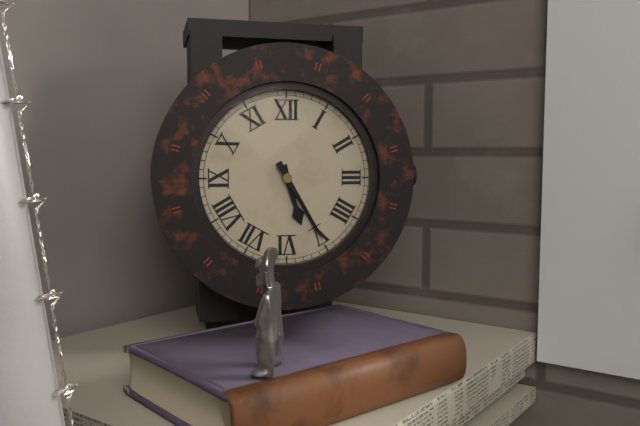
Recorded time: 5:25
